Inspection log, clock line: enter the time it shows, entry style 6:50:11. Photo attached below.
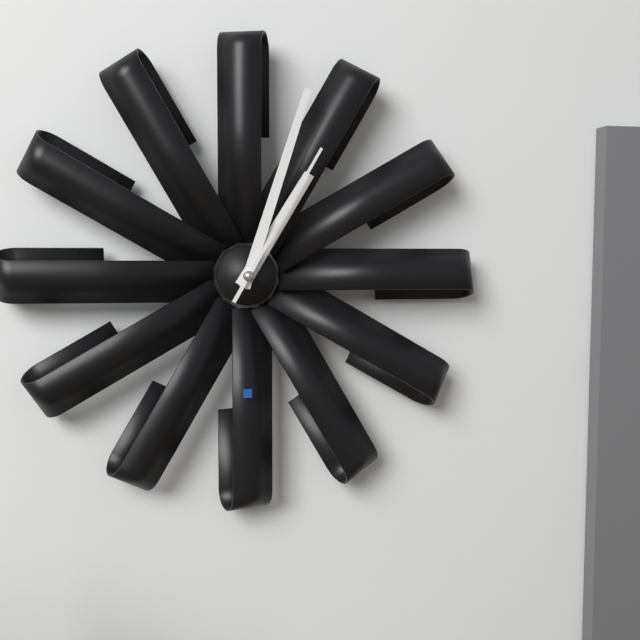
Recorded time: 1:03:05
